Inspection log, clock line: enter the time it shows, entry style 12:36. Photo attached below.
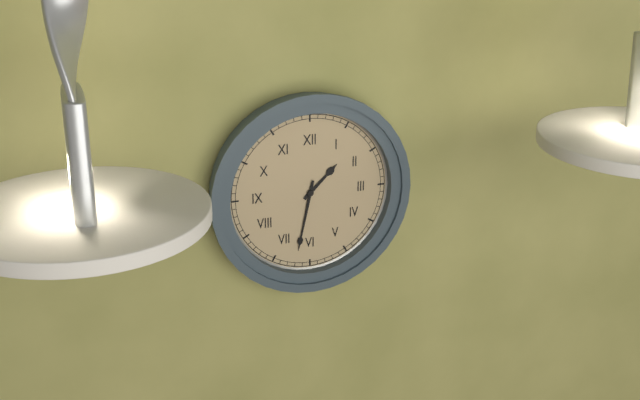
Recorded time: 1:32
